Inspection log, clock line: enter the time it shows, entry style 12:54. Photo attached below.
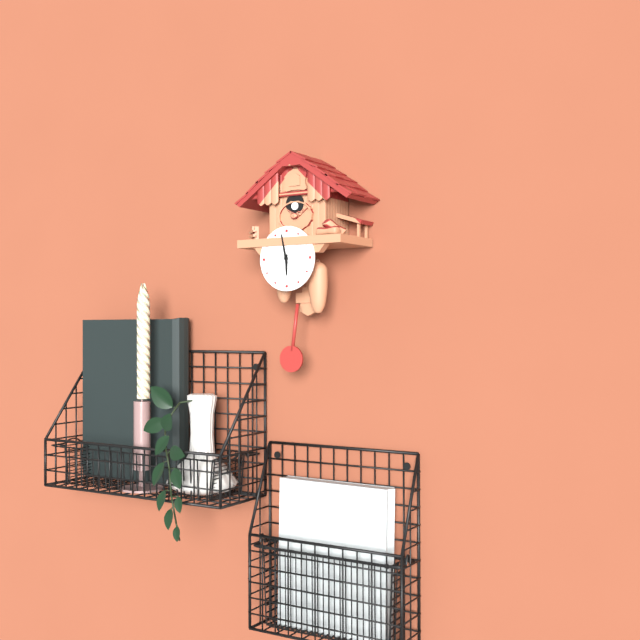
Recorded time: 5:58
